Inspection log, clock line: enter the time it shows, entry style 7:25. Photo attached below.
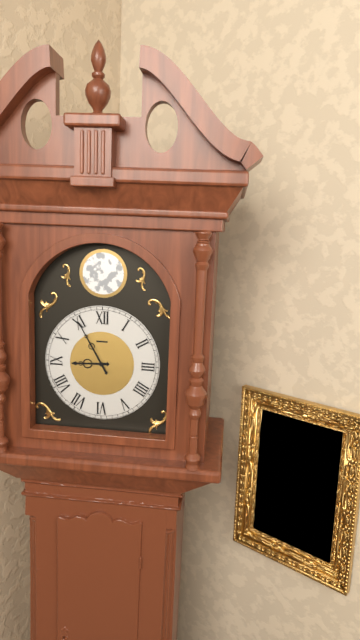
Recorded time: 8:55
